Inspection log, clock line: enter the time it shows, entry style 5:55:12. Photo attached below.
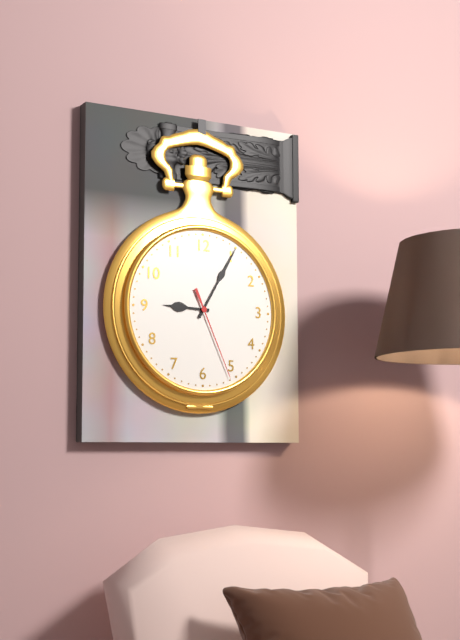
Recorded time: 9:05:26
